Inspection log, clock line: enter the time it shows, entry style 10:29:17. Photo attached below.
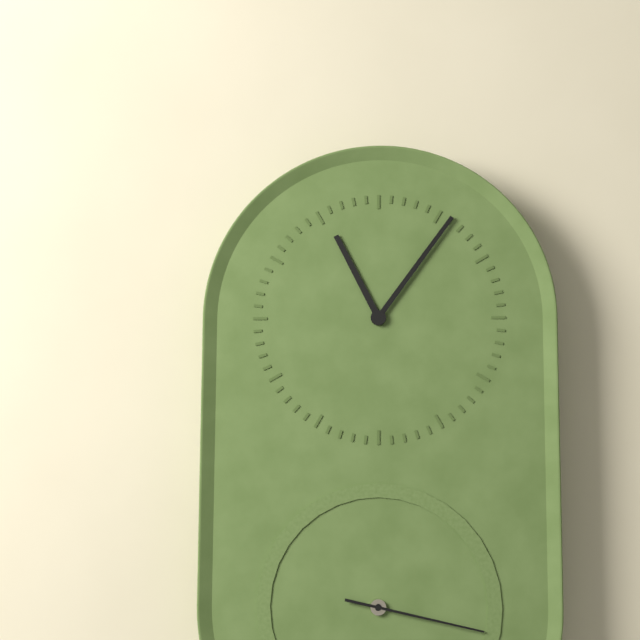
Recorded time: 11:06:17
